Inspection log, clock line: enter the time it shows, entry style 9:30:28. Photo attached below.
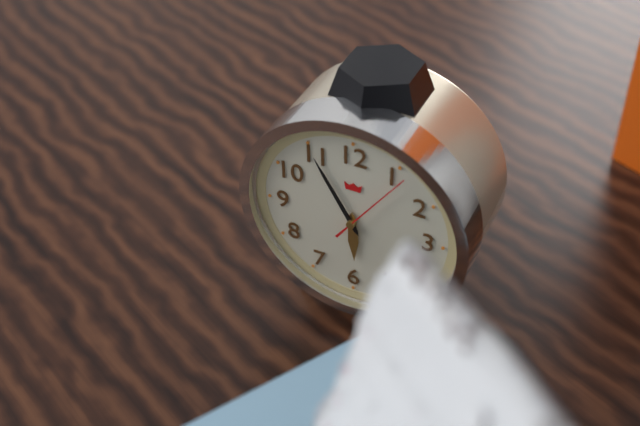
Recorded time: 5:55:06
